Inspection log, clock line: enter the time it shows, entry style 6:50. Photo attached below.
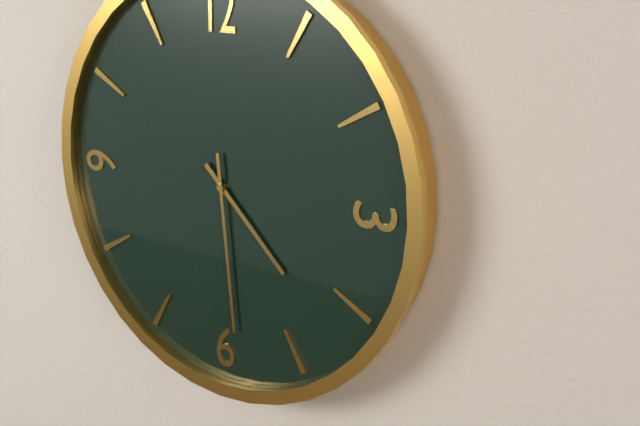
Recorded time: 4:29
